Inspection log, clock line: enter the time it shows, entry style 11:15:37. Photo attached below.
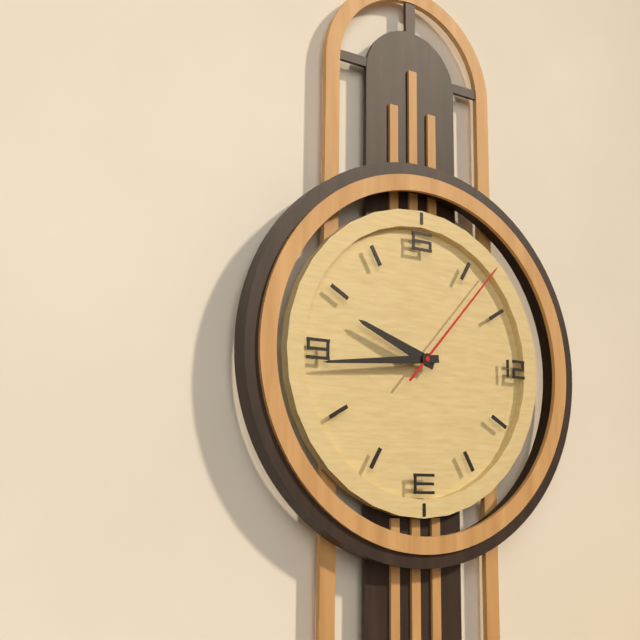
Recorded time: 9:44:07
